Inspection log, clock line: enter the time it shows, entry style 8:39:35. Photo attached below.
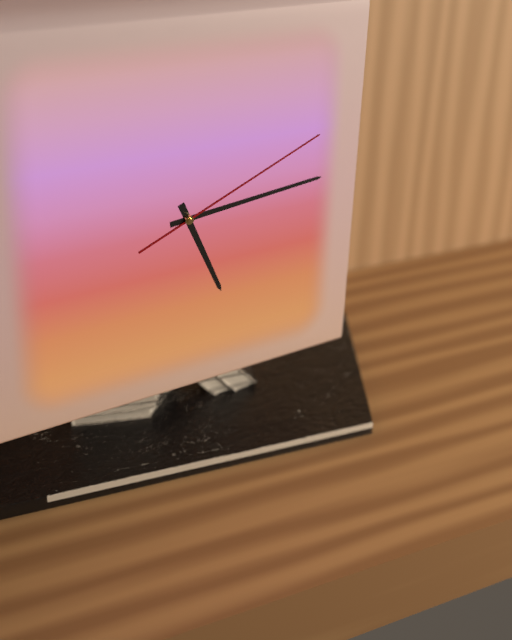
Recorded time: 5:14:11
